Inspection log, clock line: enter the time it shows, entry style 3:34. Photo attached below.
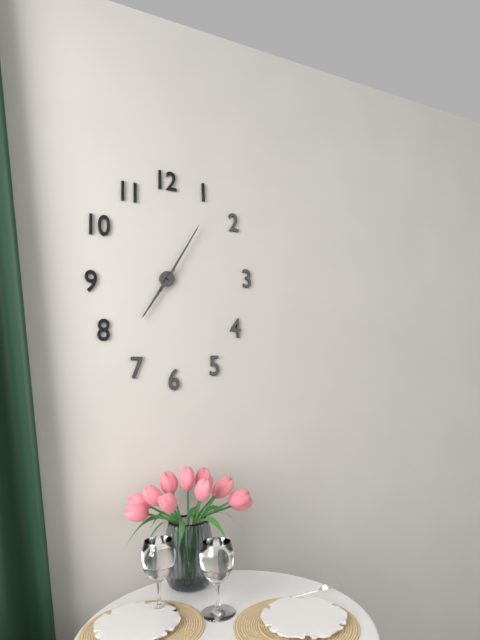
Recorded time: 7:05
